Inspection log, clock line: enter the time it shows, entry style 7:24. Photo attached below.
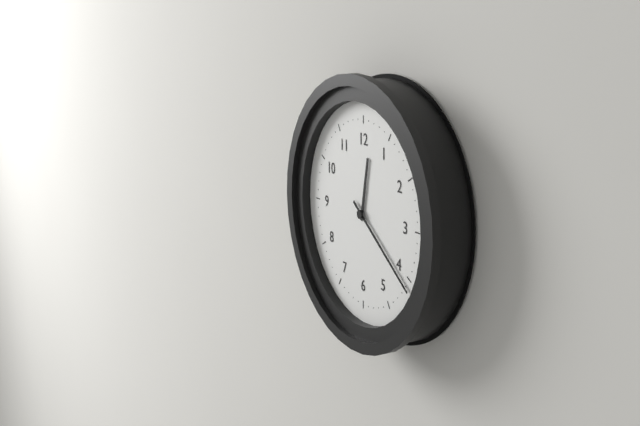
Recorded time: 12:21
